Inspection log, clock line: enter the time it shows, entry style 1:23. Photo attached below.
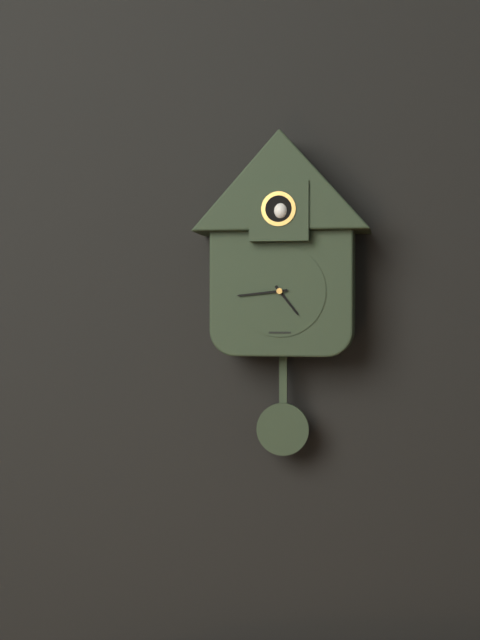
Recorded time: 4:44
